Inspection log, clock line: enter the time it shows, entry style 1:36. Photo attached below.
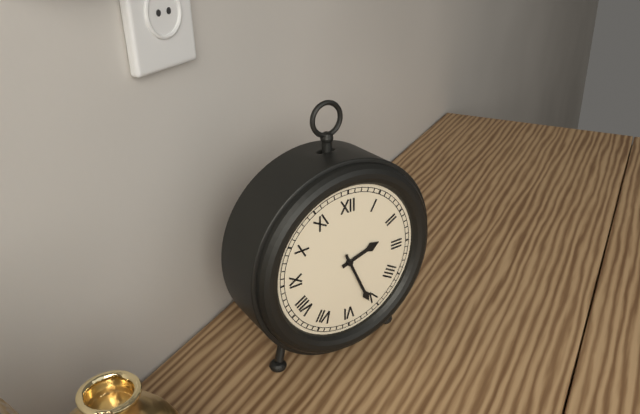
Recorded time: 2:26
